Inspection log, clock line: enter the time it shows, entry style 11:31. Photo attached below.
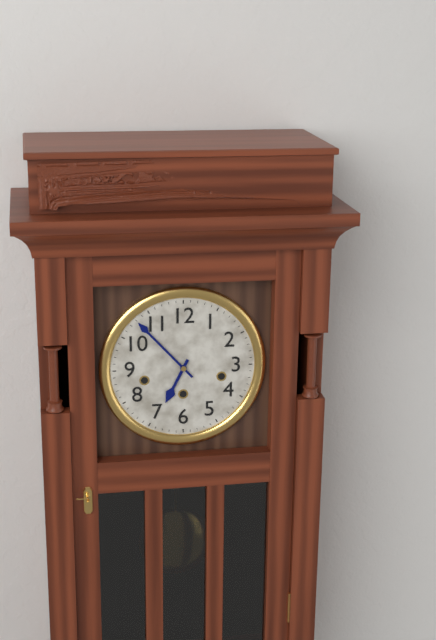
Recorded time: 6:53
